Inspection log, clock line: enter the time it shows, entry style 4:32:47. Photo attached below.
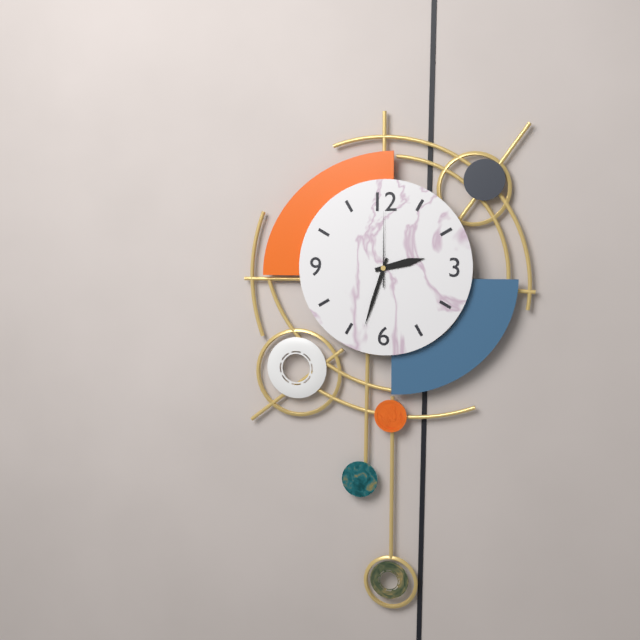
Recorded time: 2:33:00
